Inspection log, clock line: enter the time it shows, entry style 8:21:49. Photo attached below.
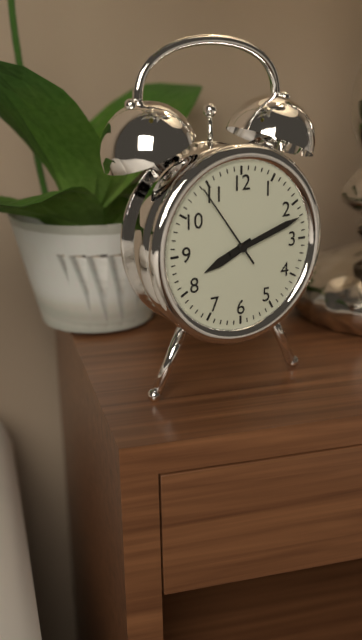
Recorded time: 8:12:54
